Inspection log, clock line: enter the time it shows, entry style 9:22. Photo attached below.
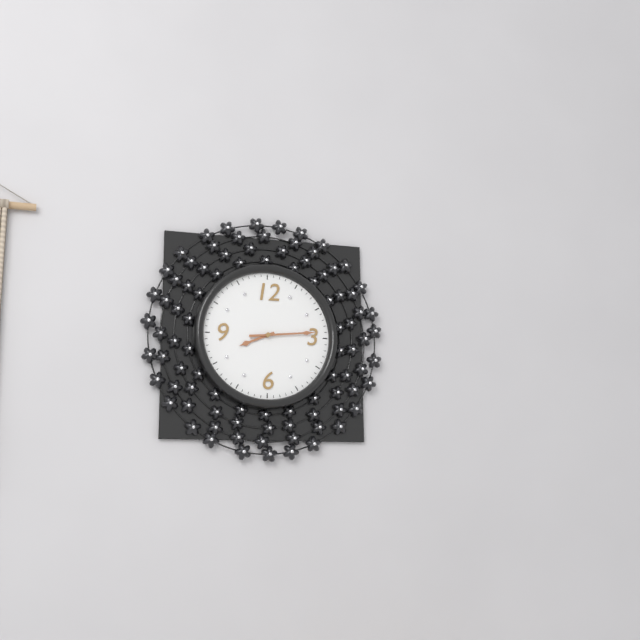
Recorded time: 8:14
